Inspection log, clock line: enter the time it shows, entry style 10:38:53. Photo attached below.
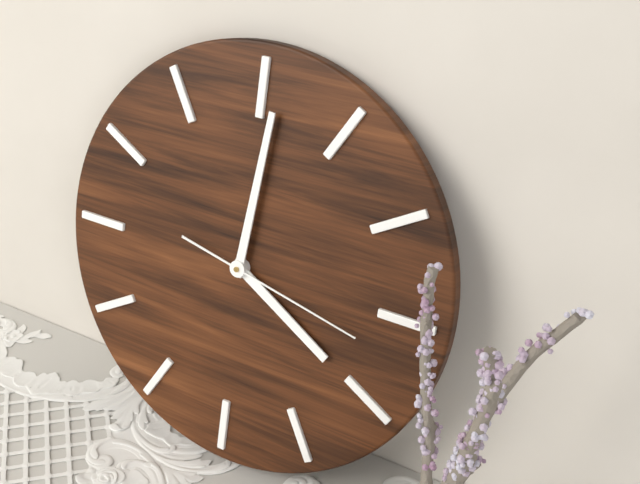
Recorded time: 4:01:17
